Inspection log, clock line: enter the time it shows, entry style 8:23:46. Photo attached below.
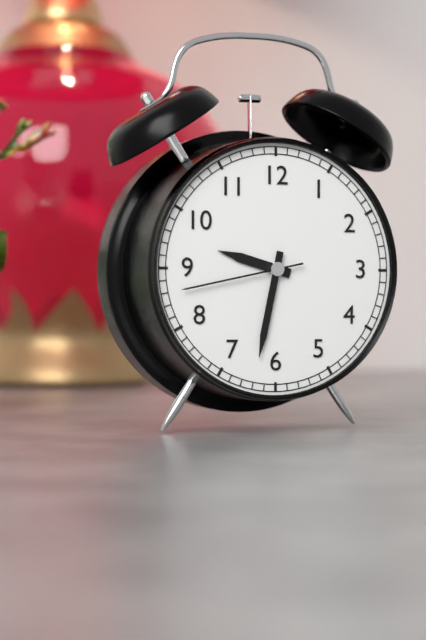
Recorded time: 9:32:43
